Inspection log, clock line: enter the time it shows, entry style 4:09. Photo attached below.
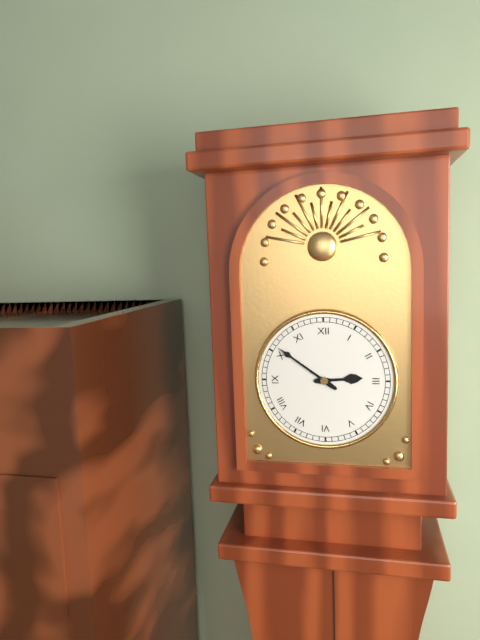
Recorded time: 2:51
